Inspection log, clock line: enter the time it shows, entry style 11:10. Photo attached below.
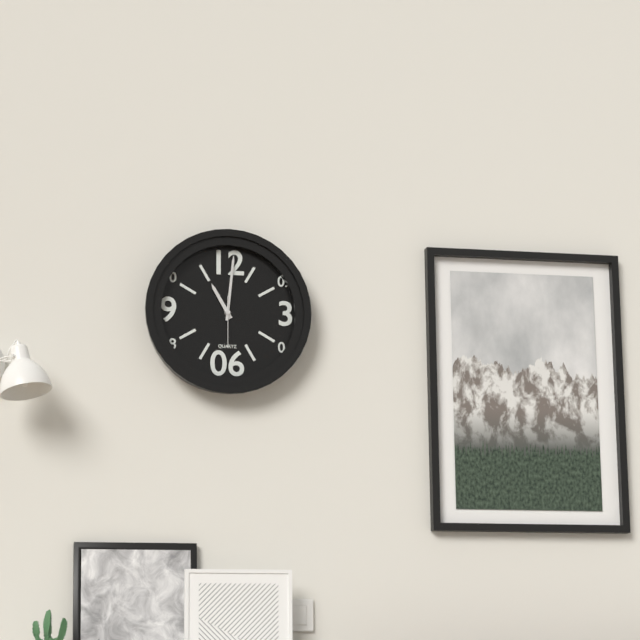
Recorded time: 11:01
